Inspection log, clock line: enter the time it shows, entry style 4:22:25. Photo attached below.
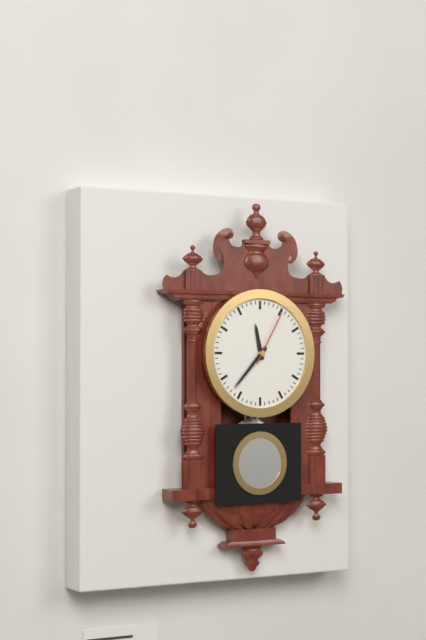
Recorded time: 11:37:05
